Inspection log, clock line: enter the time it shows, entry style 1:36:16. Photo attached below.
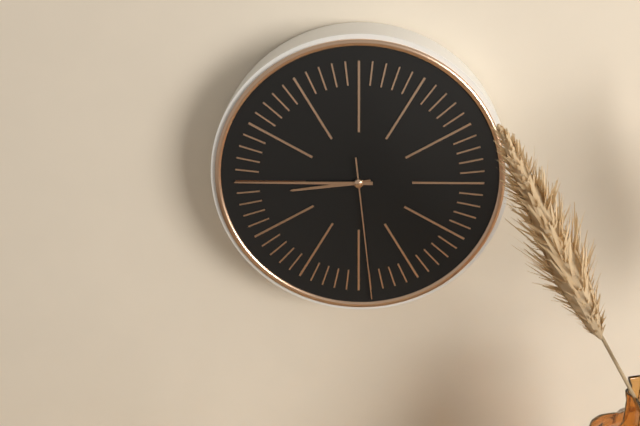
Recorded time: 8:45:29
